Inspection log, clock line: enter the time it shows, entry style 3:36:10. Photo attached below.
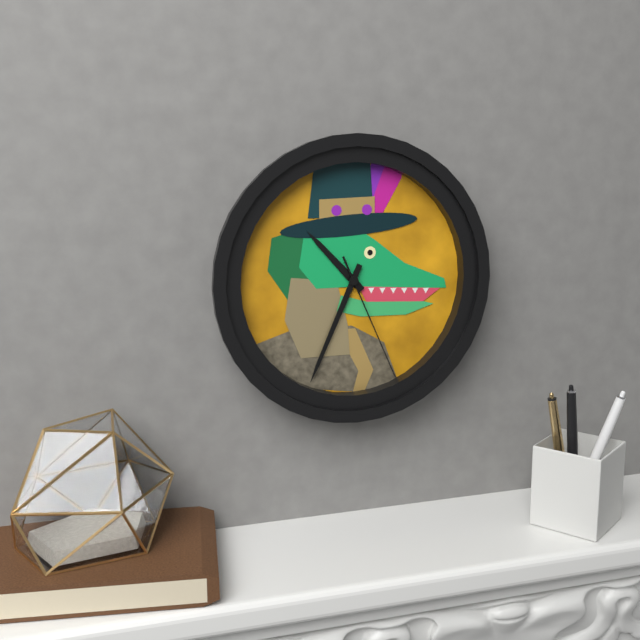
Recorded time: 10:34:26
